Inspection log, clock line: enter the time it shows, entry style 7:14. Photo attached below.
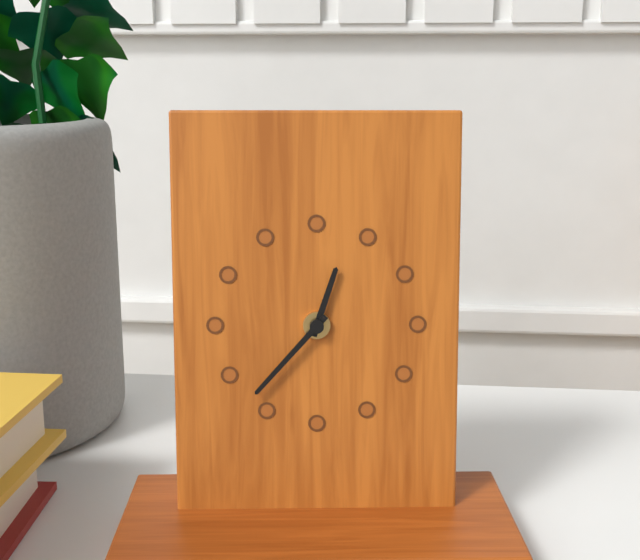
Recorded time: 12:37
